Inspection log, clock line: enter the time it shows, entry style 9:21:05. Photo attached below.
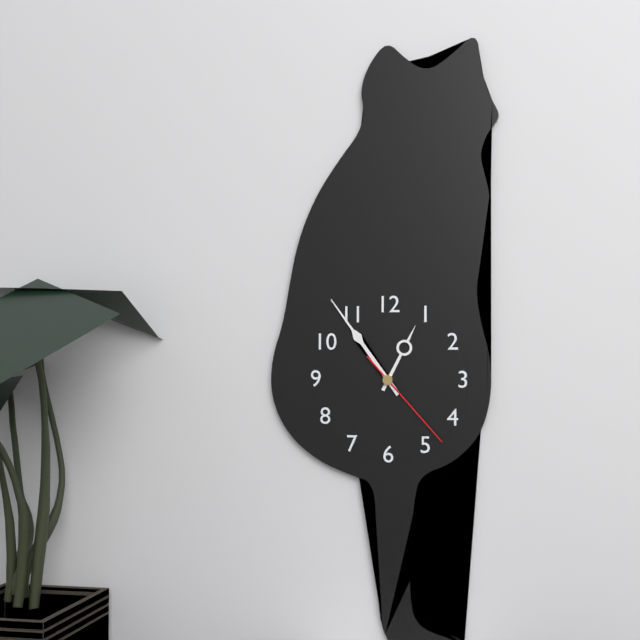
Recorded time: 12:54:23
